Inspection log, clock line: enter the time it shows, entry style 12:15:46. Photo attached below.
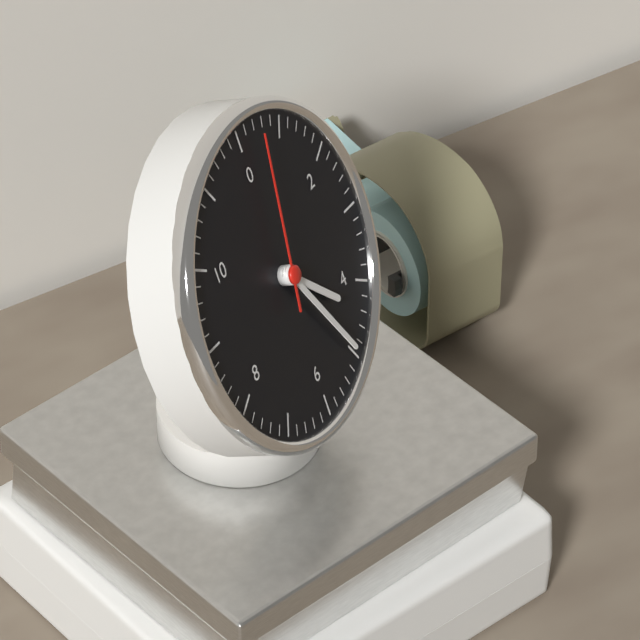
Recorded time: 4:25:02
